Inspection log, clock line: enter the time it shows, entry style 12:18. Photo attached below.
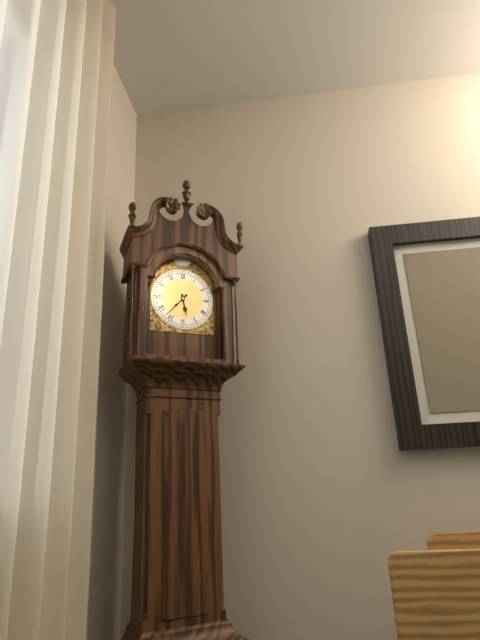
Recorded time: 5:37
